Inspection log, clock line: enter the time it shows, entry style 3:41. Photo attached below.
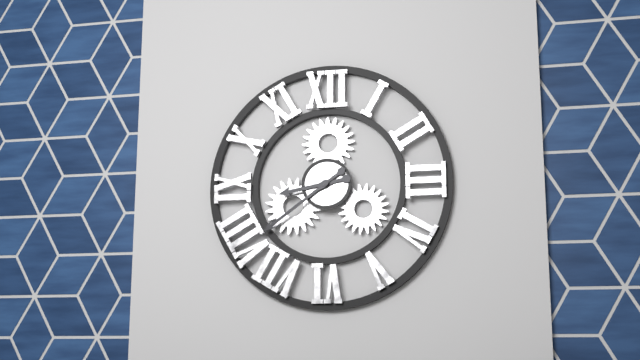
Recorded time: 8:39
